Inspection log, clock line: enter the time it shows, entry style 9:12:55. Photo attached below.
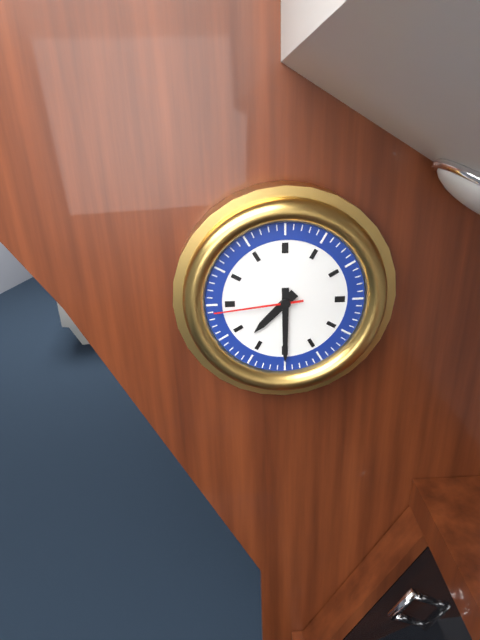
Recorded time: 7:30:44
